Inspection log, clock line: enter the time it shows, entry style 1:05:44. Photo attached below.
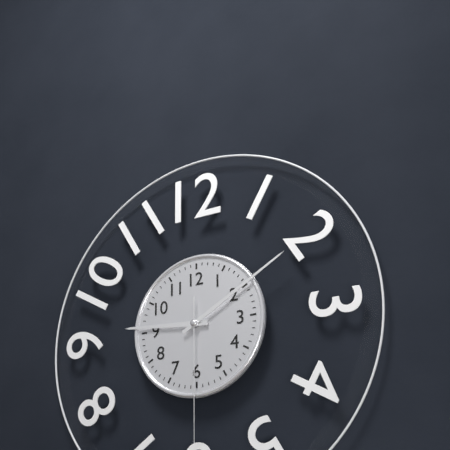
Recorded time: 9:10:30
